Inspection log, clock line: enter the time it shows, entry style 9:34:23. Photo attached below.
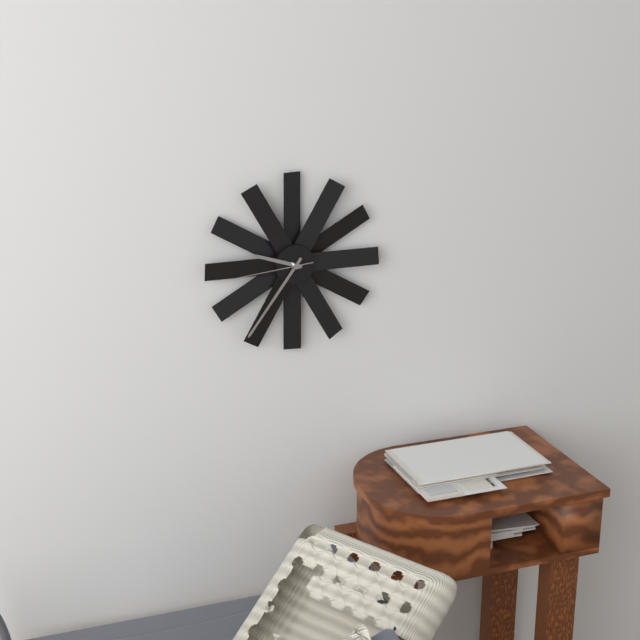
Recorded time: 9:36:44
